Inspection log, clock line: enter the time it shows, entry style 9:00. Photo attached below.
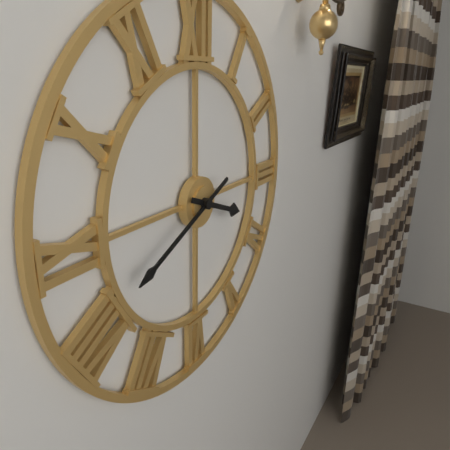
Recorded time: 3:41
